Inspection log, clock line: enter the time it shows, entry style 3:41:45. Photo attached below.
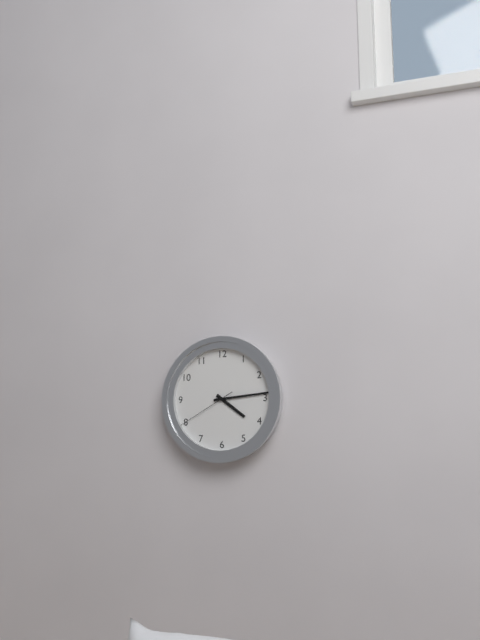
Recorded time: 4:14:40
